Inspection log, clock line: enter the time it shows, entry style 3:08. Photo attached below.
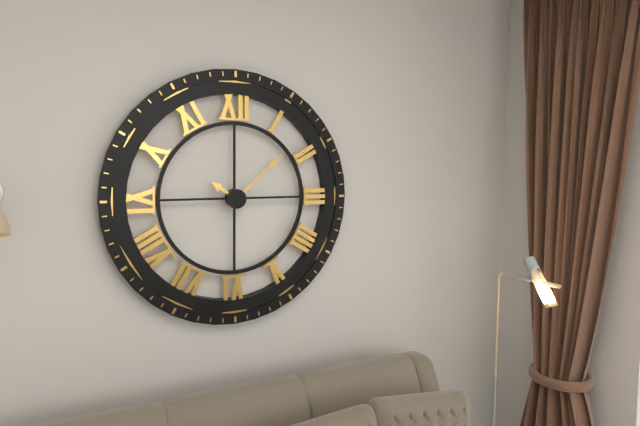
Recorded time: 10:08
